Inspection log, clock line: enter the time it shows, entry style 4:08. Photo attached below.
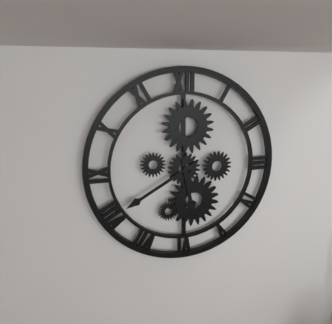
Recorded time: 5:40
